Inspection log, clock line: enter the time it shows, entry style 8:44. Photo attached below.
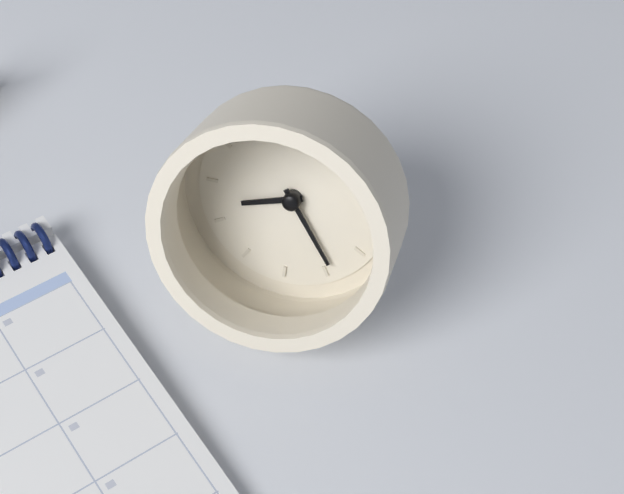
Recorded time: 8:24
